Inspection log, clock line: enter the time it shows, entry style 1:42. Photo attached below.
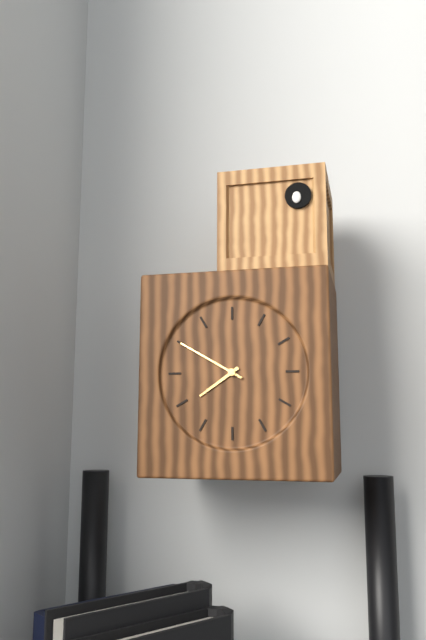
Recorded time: 7:50
